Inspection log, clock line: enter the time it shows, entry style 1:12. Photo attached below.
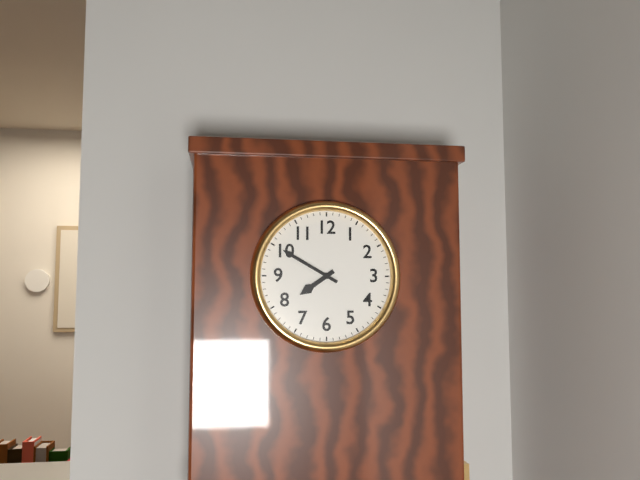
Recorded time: 7:50
